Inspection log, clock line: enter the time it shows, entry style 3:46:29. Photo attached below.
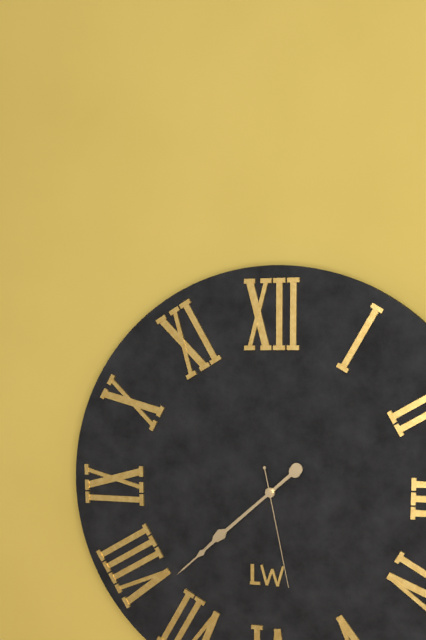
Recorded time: 7:38:28
